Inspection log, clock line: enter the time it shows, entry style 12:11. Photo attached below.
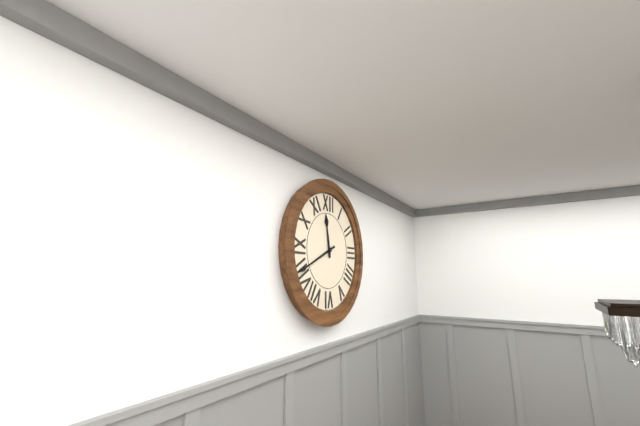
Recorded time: 11:41
